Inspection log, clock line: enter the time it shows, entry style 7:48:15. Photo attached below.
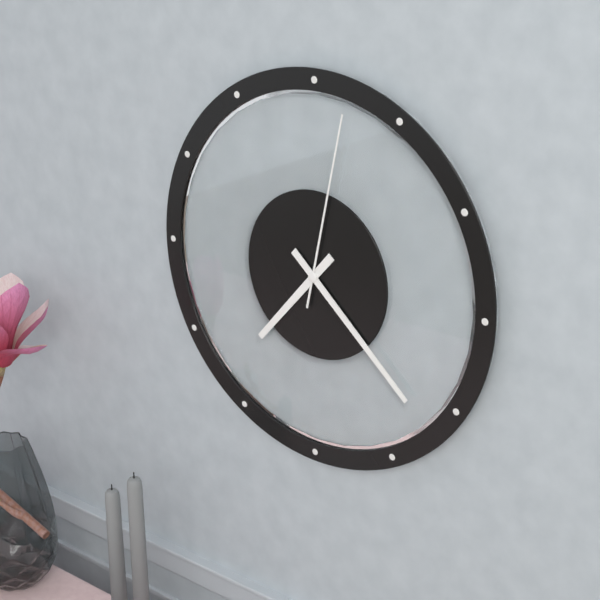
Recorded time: 7:22:02
